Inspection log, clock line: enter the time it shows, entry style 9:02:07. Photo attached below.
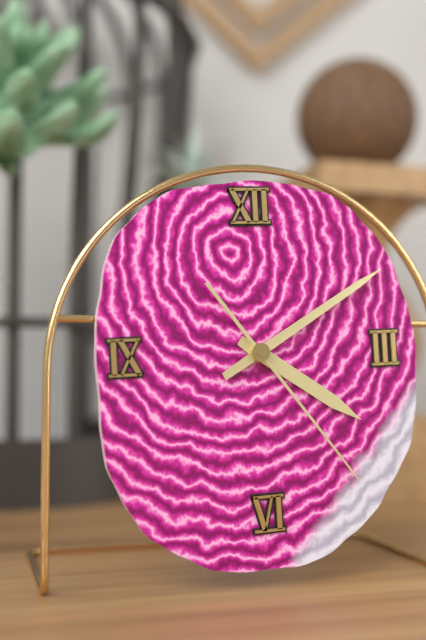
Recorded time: 4:10:24
